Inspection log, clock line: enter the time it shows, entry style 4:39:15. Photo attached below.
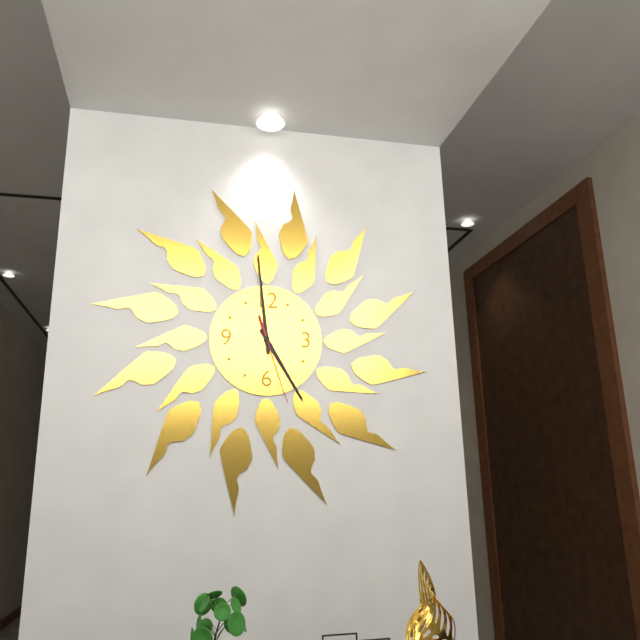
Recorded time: 4:59:27
